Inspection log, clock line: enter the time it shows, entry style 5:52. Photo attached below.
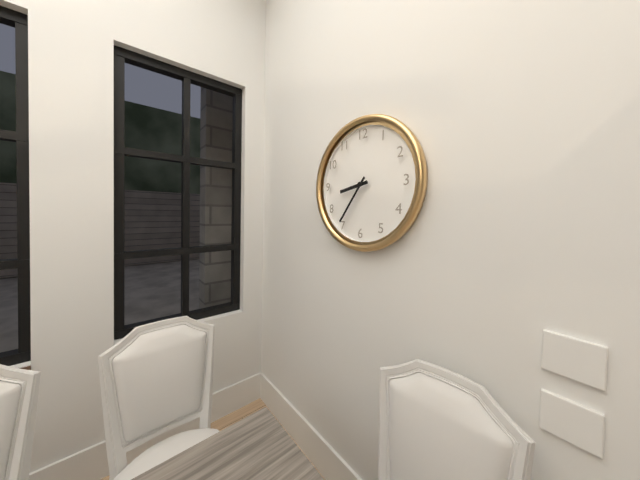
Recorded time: 8:36
